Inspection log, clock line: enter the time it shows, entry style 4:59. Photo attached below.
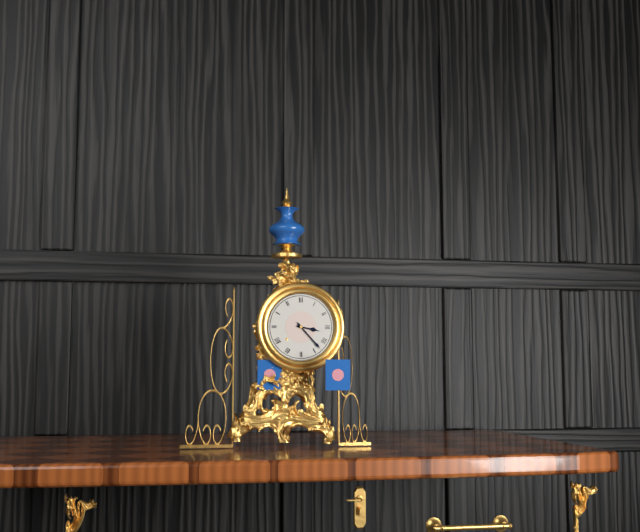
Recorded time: 3:23
